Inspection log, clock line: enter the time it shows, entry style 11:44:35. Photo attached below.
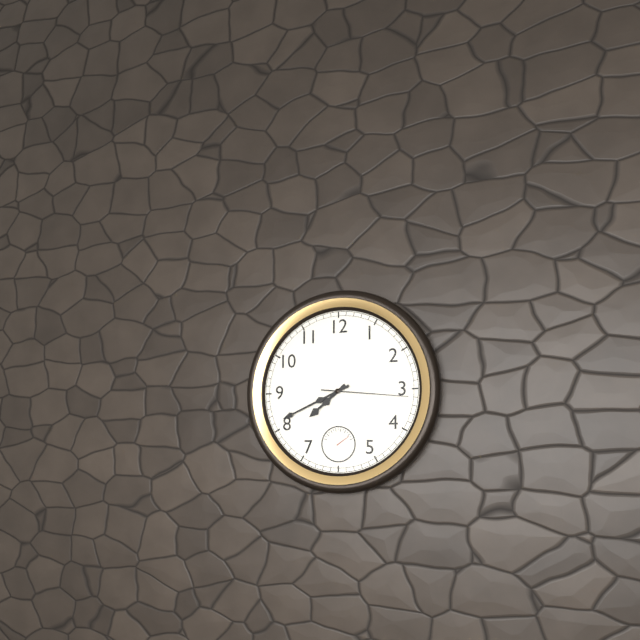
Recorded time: 7:41:16
